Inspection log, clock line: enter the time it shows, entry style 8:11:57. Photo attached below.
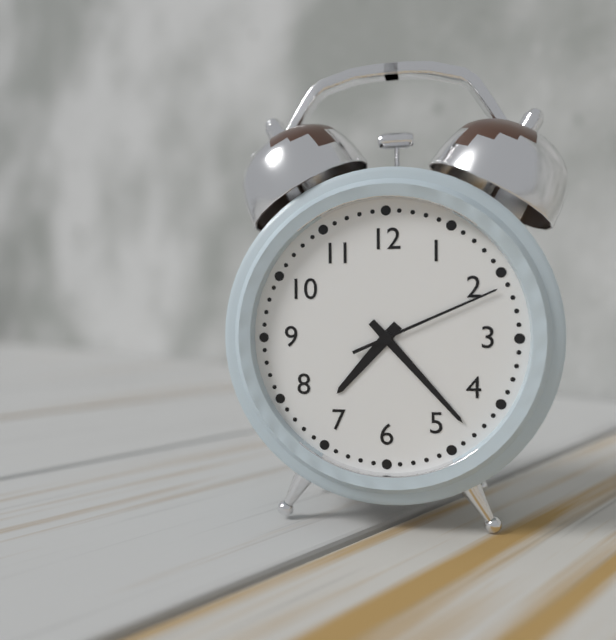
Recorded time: 7:23:11
